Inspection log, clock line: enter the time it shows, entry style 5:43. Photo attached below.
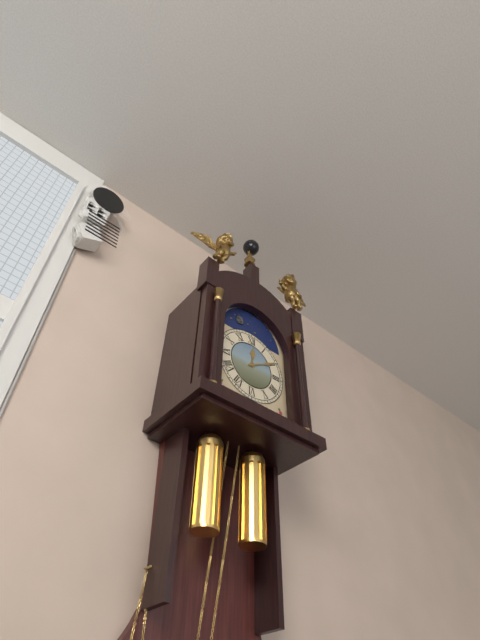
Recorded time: 12:10
